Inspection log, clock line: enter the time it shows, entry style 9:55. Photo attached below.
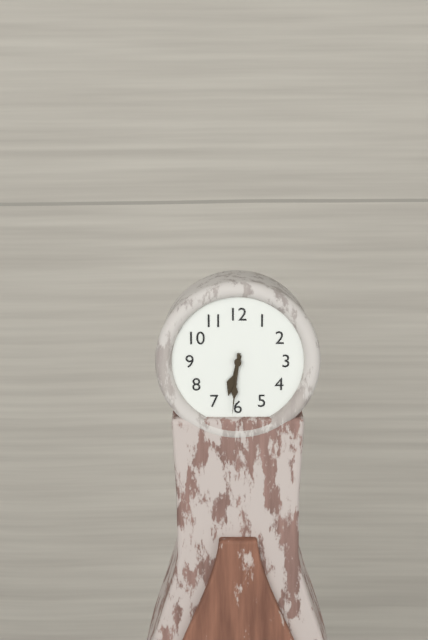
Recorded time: 6:31
